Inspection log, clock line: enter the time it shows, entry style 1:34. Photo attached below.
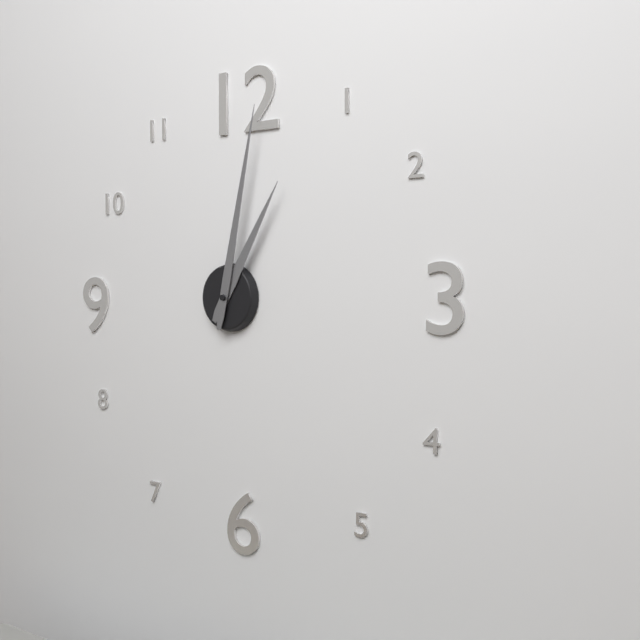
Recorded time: 1:02
